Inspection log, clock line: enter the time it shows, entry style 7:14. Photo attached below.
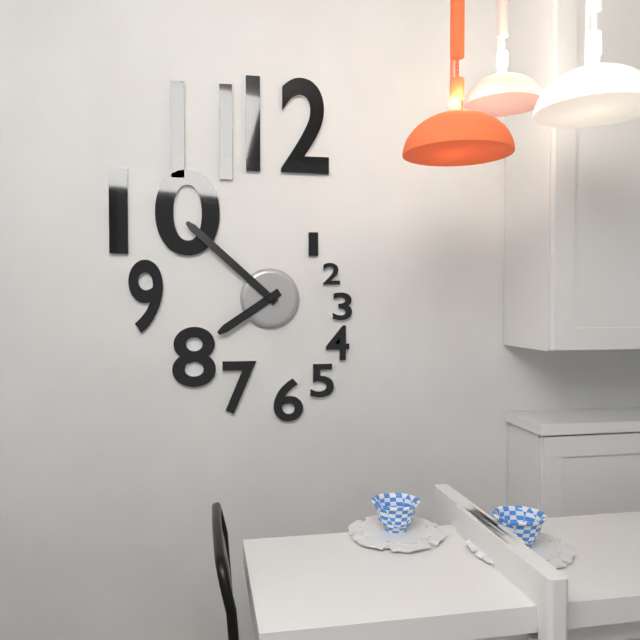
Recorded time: 7:52
